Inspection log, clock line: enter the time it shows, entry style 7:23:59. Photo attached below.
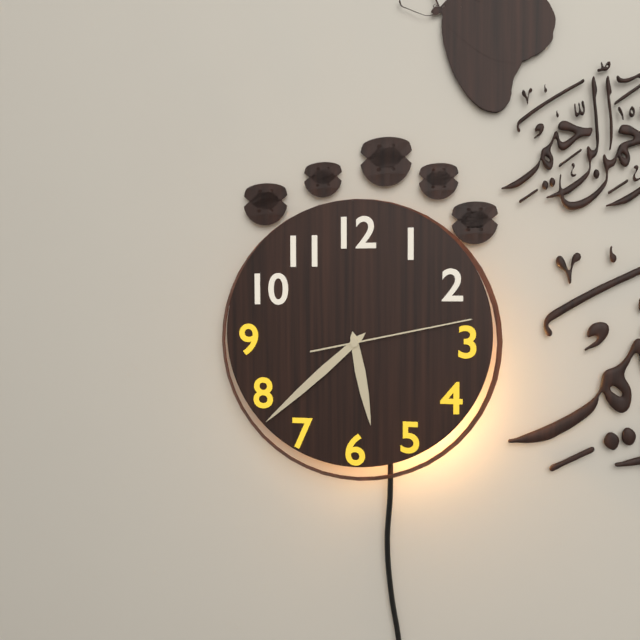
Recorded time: 5:38:13
